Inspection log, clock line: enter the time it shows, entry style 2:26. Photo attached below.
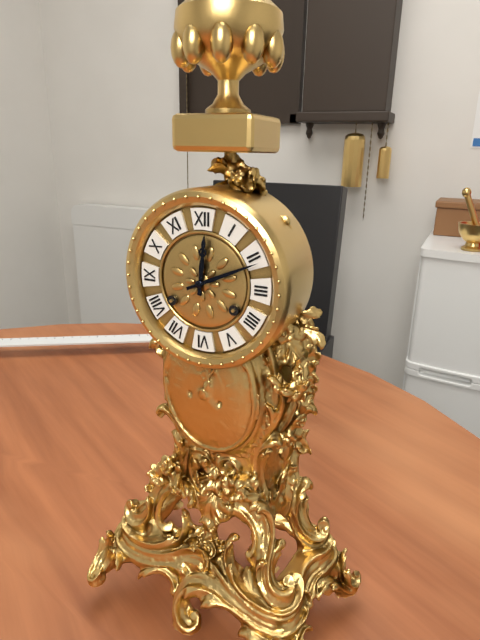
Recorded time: 12:11
